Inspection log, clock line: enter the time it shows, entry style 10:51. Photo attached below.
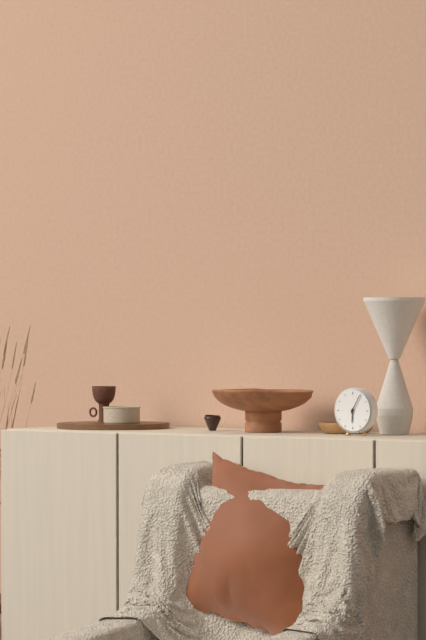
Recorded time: 6:05
